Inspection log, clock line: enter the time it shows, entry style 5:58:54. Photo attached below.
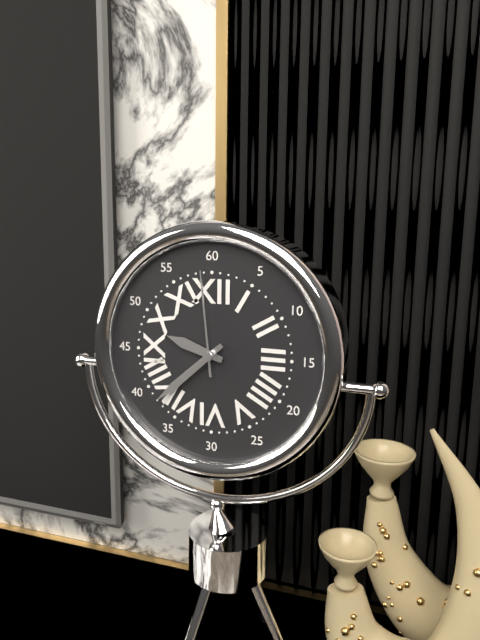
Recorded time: 9:38:59
